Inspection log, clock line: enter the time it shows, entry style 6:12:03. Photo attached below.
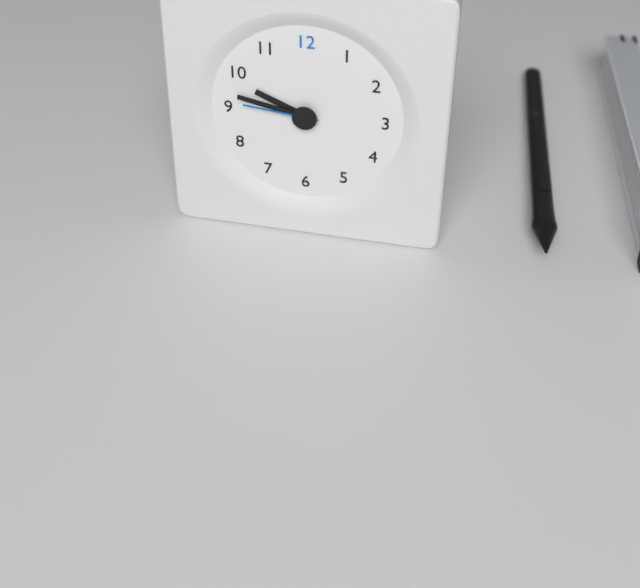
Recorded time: 9:47:46
